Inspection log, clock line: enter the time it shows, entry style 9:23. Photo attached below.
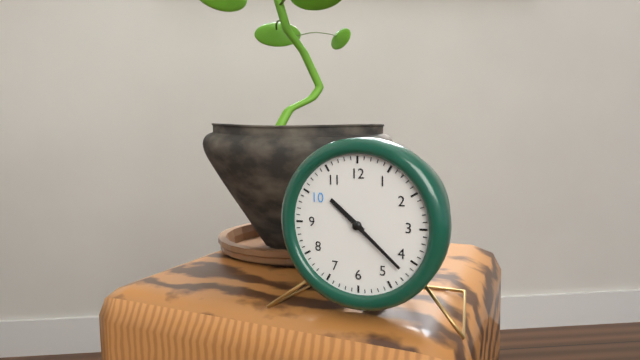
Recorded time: 10:22
